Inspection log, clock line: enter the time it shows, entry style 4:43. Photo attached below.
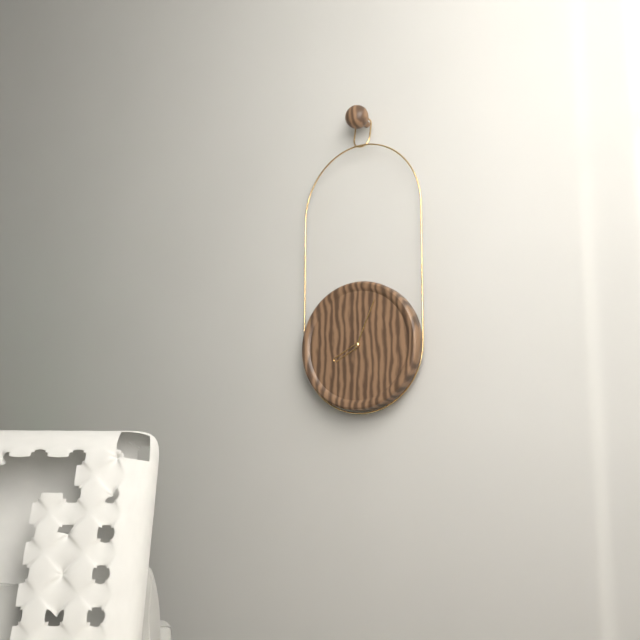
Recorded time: 8:04
